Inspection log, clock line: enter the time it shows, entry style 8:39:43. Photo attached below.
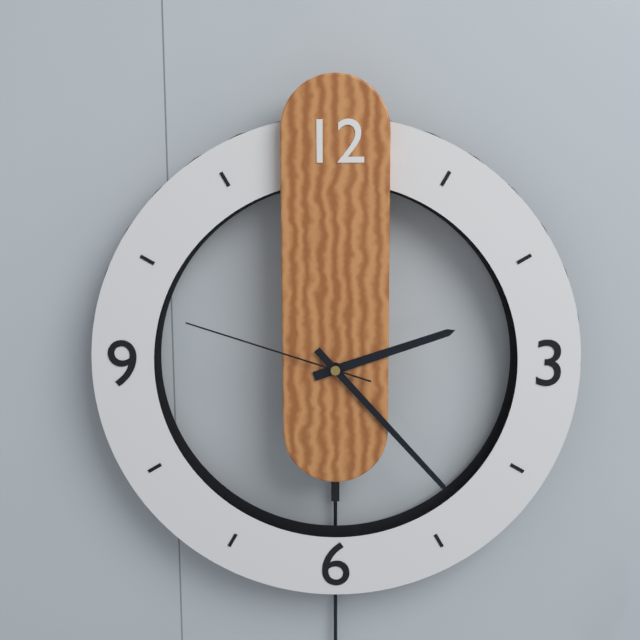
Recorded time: 2:23:48
